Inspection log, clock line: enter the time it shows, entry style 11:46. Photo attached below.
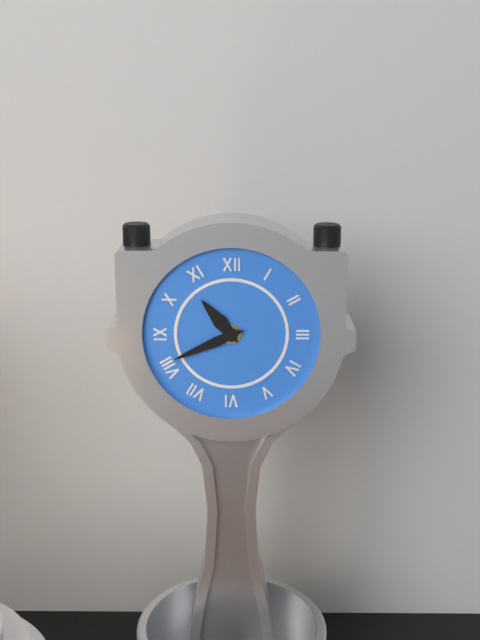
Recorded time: 10:41
